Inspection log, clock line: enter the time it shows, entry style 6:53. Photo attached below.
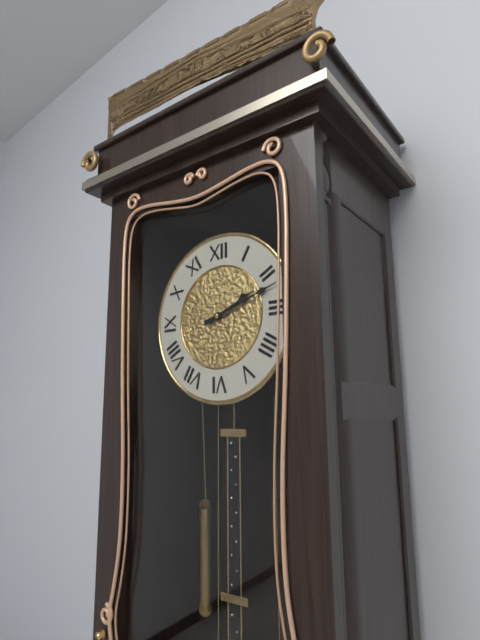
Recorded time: 2:12
